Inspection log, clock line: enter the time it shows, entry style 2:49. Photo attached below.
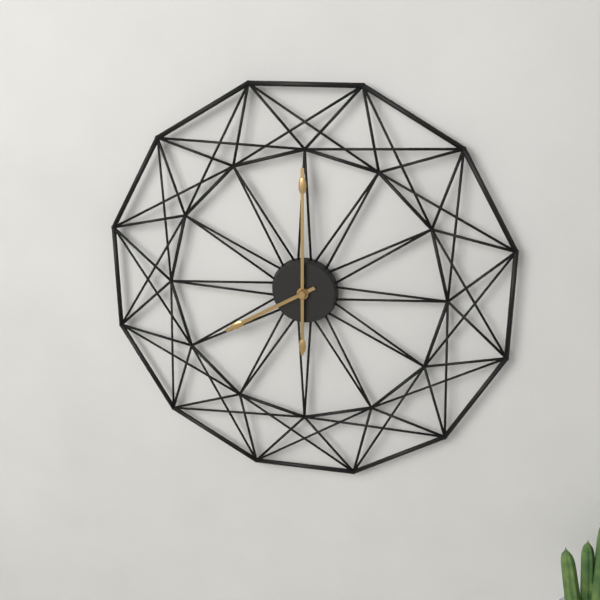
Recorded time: 8:00
